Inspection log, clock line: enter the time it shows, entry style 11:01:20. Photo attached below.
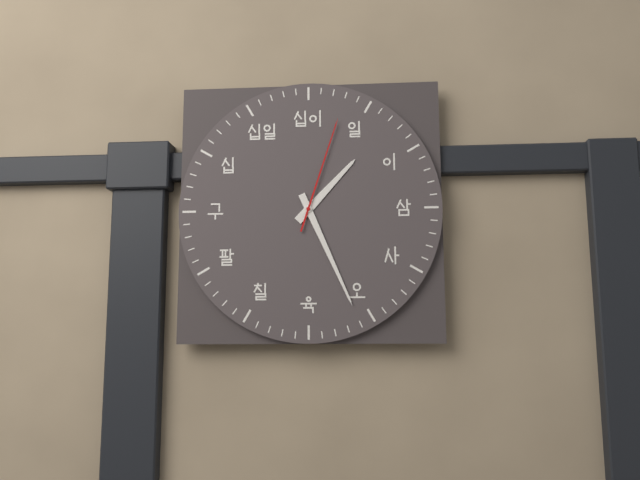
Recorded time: 1:26:03
